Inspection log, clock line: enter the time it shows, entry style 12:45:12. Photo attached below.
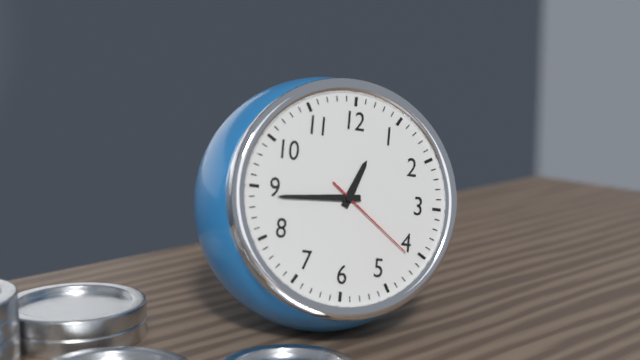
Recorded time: 12:44:21
